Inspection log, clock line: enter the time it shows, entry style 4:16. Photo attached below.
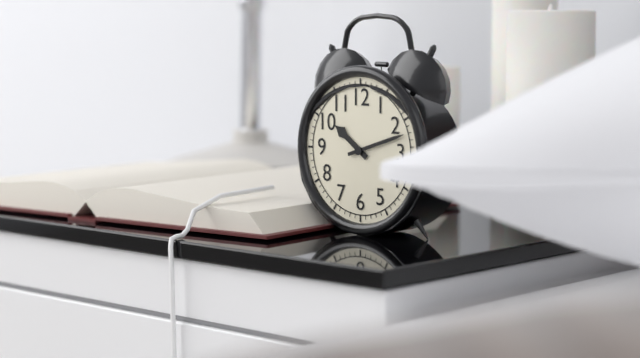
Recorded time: 10:12
